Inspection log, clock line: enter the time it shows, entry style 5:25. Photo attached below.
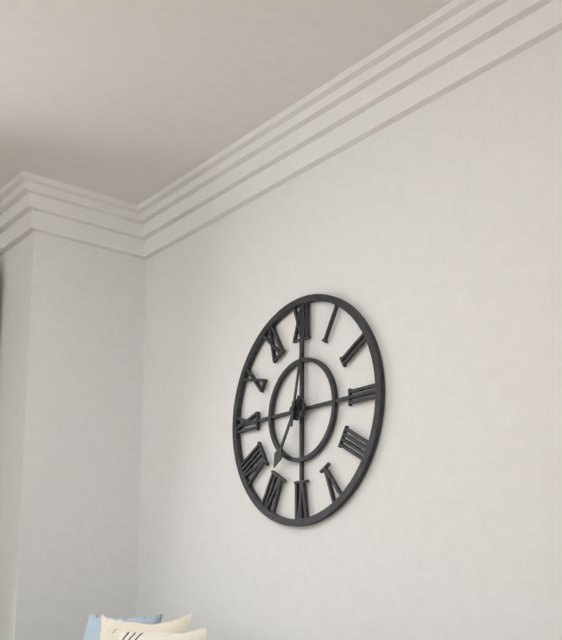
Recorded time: 7:02
